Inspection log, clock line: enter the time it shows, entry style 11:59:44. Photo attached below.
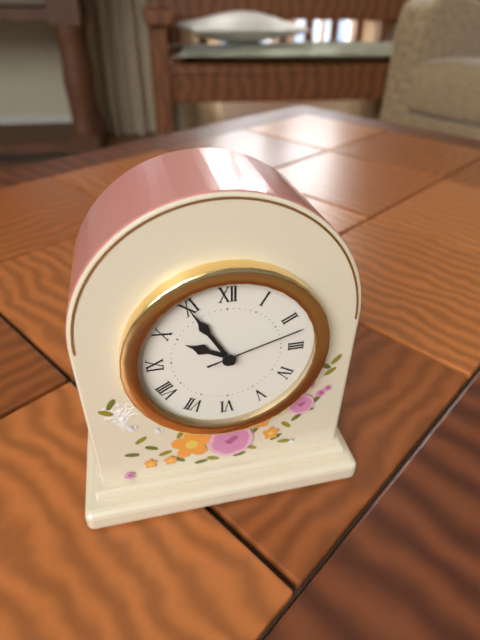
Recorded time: 9:55:12
